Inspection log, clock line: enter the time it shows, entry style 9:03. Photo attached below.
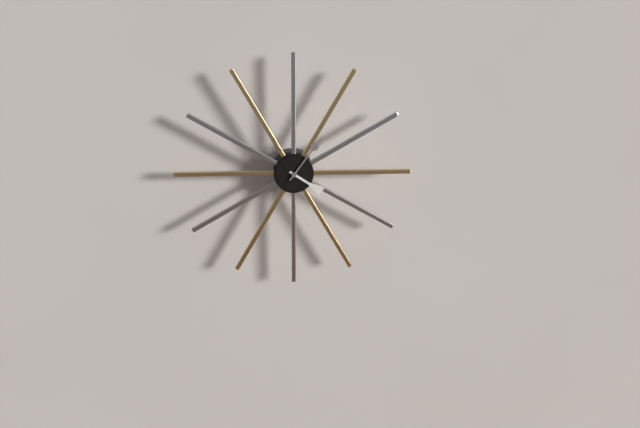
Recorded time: 4:06
